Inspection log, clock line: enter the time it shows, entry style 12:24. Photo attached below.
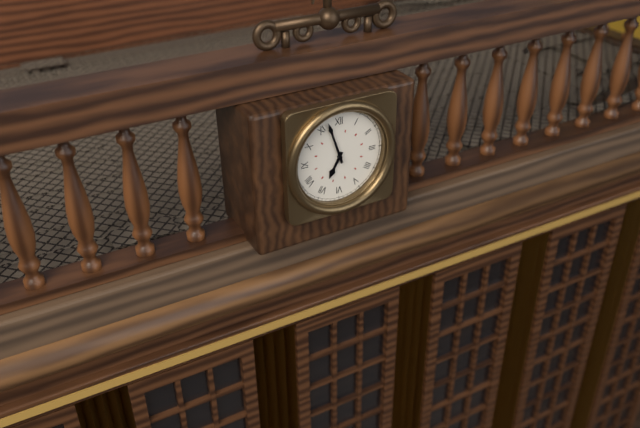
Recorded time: 6:57
